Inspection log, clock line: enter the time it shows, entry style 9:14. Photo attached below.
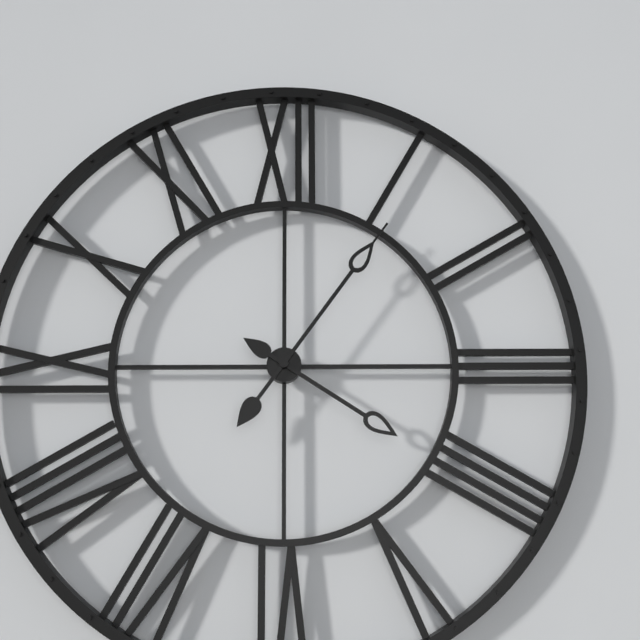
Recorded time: 4:06
